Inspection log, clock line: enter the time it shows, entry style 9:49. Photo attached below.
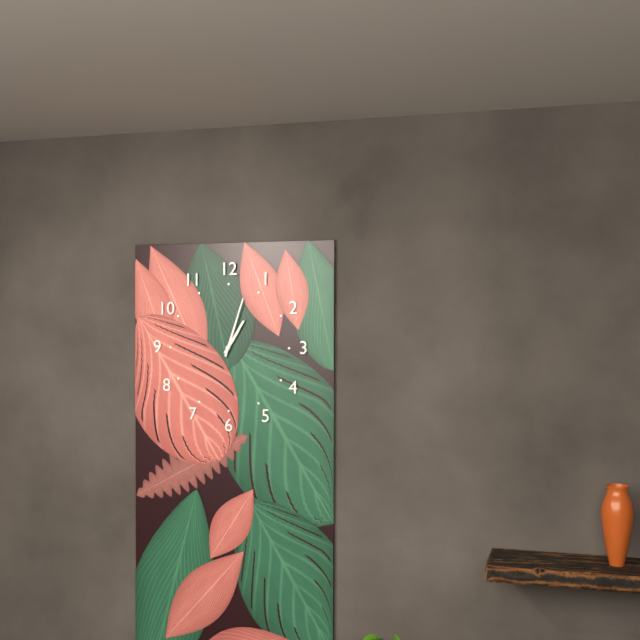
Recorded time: 1:03
